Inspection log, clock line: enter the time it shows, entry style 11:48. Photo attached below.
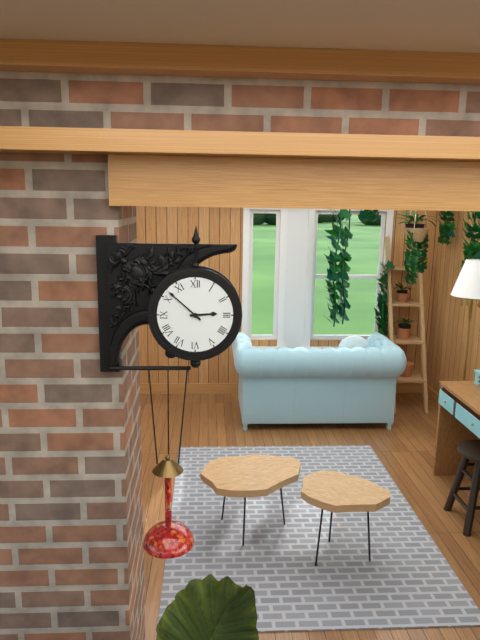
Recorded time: 2:52
